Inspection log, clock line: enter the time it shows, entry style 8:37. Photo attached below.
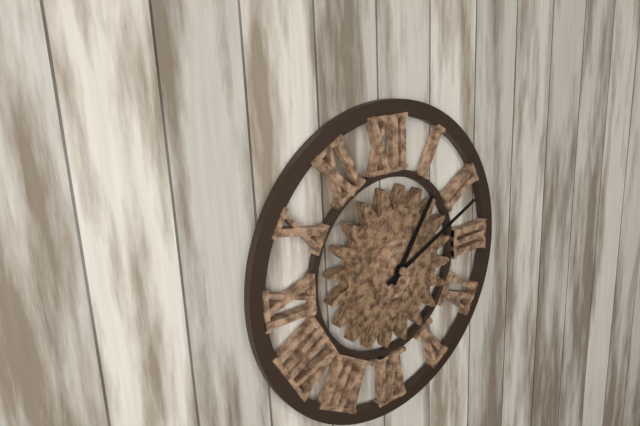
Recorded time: 1:11
